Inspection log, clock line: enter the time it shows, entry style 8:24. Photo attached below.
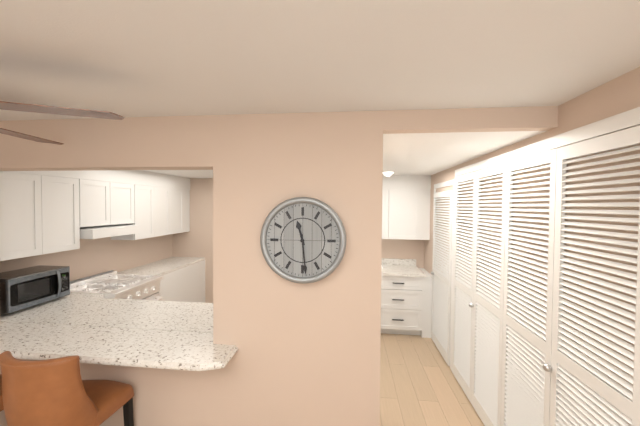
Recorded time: 11:29
